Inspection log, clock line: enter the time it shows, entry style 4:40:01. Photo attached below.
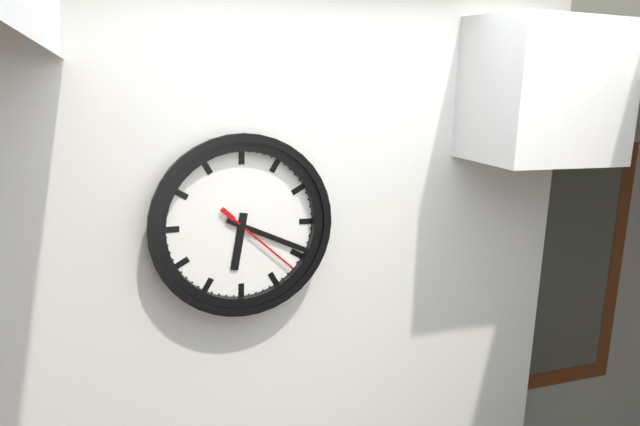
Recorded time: 6:19:22
